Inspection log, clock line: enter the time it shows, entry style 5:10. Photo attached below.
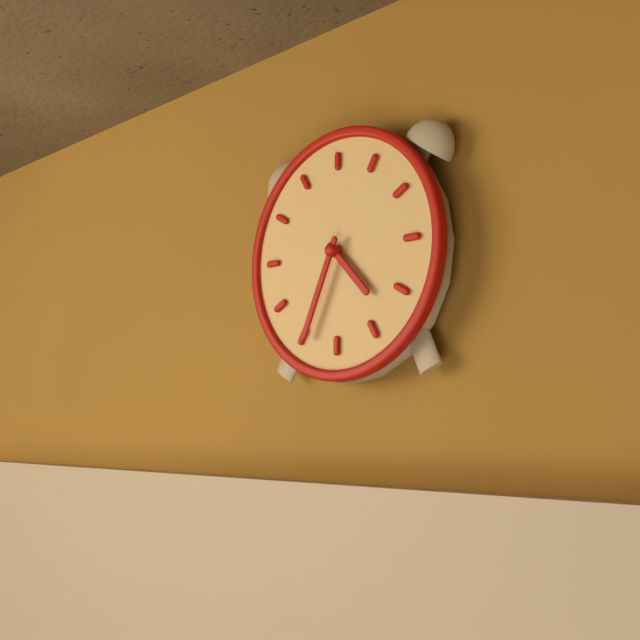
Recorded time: 4:34
